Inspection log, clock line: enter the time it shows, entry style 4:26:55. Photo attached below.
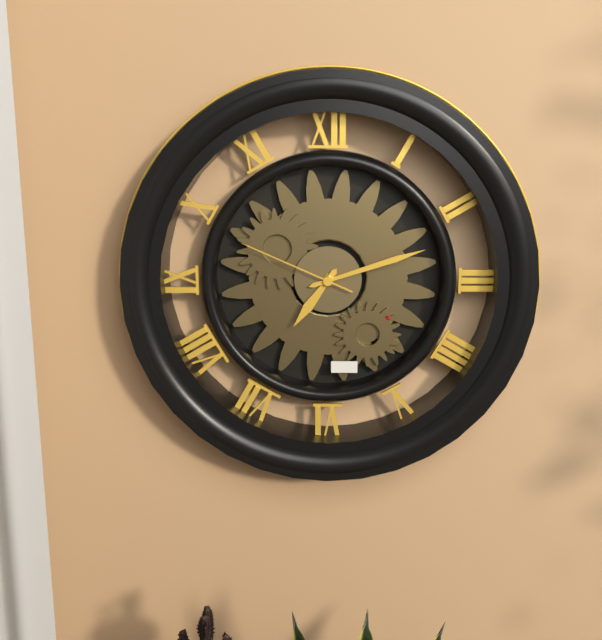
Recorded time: 7:12:49
